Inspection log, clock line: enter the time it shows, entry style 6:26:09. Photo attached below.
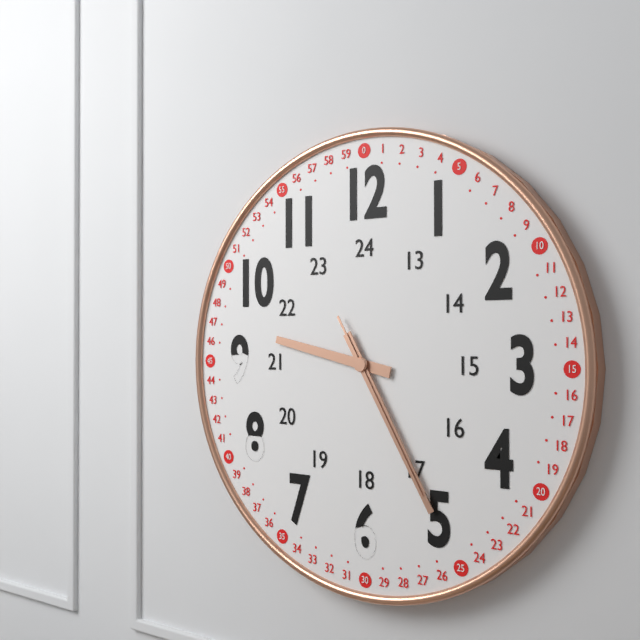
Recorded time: 9:25:25
